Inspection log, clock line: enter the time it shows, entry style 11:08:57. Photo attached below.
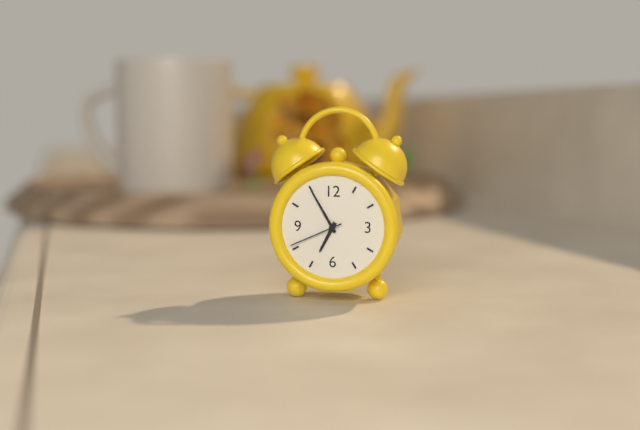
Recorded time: 6:55:41
